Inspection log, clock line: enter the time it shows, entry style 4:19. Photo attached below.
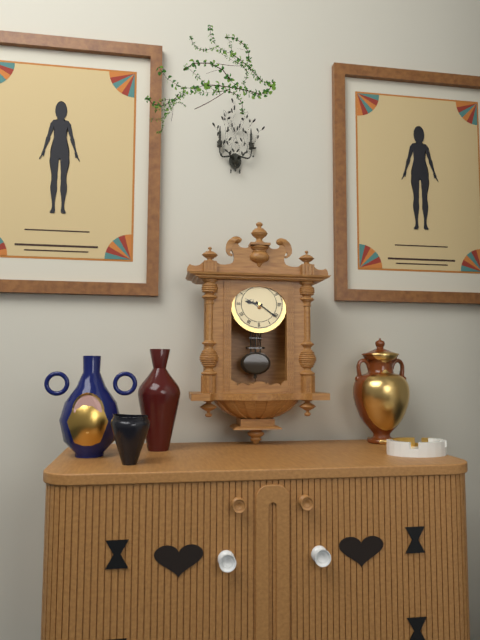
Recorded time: 9:21
